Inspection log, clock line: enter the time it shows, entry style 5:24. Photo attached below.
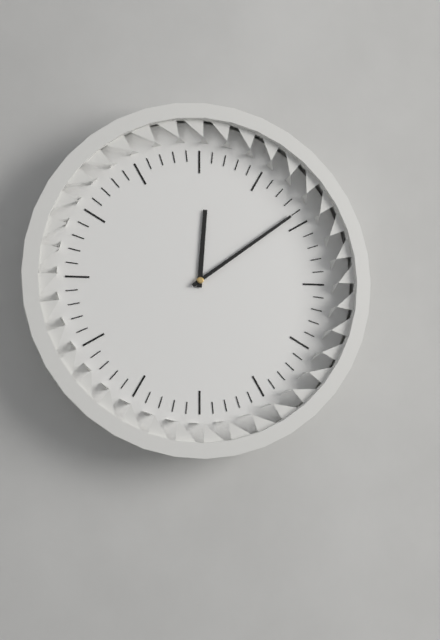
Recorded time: 12:09
